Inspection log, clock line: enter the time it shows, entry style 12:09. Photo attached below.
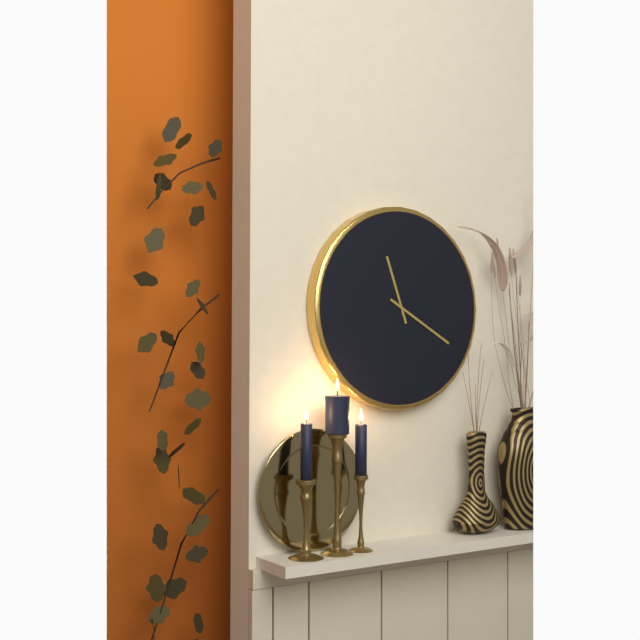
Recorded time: 11:20
